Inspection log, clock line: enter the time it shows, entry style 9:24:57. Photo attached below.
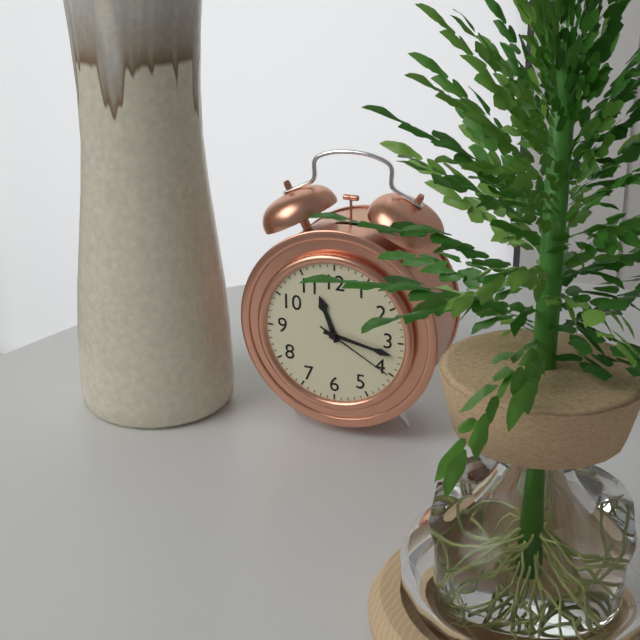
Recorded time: 11:17:20
